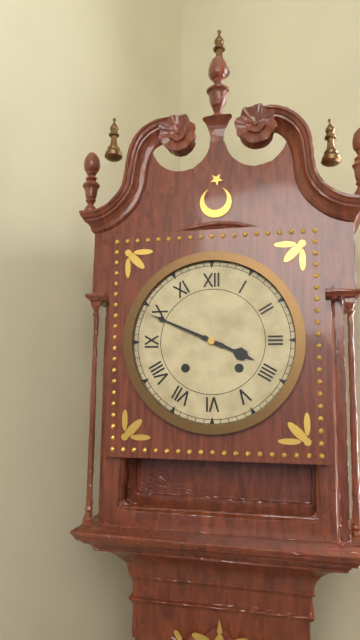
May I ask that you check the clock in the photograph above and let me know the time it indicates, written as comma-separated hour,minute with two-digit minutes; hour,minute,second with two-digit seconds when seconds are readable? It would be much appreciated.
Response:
3,49
